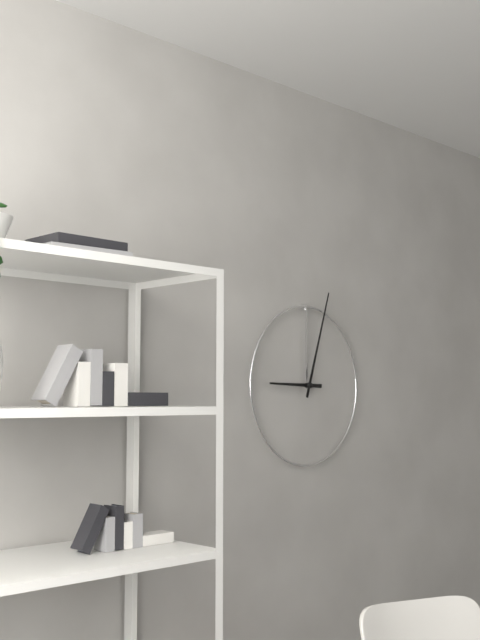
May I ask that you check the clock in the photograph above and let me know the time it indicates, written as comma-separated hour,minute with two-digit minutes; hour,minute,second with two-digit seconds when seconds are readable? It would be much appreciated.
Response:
9,03
